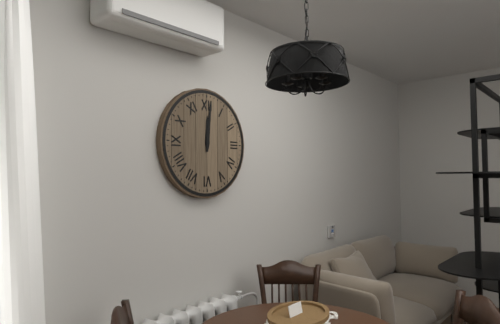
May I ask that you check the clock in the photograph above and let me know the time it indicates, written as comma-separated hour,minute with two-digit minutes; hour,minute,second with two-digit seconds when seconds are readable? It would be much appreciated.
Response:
12,01
